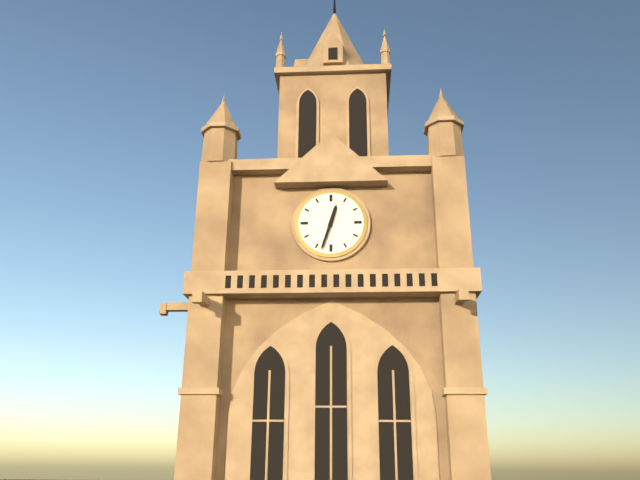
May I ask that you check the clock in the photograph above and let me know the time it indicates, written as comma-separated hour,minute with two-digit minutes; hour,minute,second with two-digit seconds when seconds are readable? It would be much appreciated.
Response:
12,33
